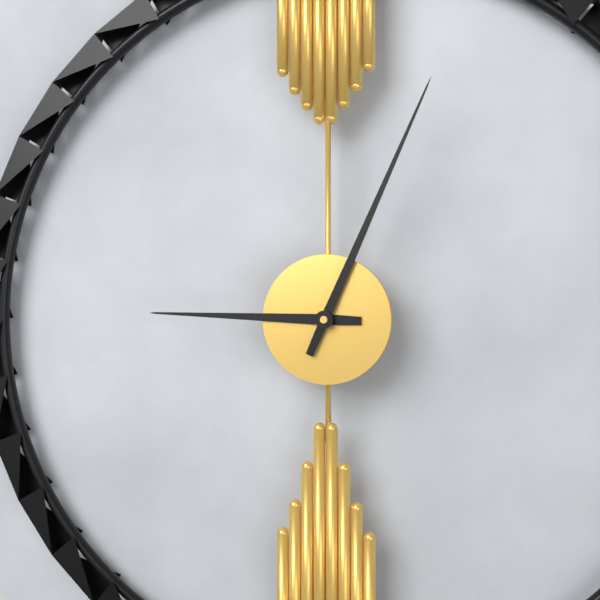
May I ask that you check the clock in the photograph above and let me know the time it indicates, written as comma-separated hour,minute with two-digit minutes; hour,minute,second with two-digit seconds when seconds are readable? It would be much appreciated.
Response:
9,04
